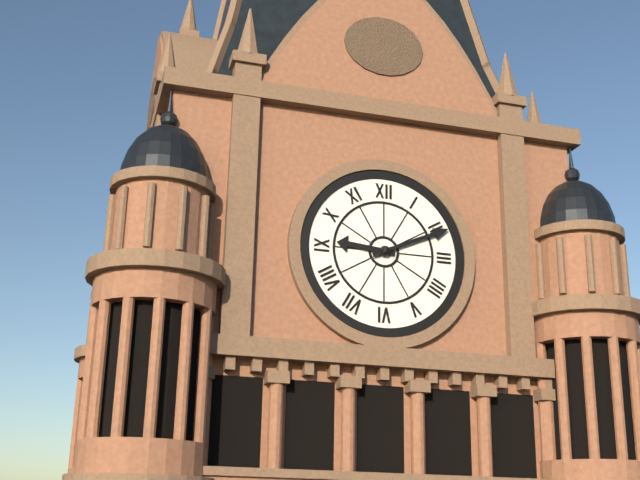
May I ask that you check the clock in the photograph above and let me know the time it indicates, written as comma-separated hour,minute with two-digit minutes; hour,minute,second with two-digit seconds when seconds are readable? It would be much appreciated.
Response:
9,11
